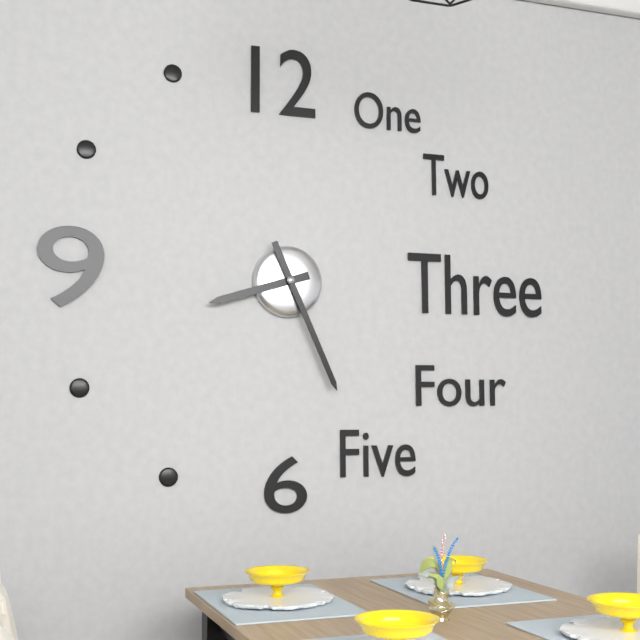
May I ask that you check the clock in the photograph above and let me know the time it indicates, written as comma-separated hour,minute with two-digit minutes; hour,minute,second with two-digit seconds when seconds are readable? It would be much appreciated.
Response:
8,26
